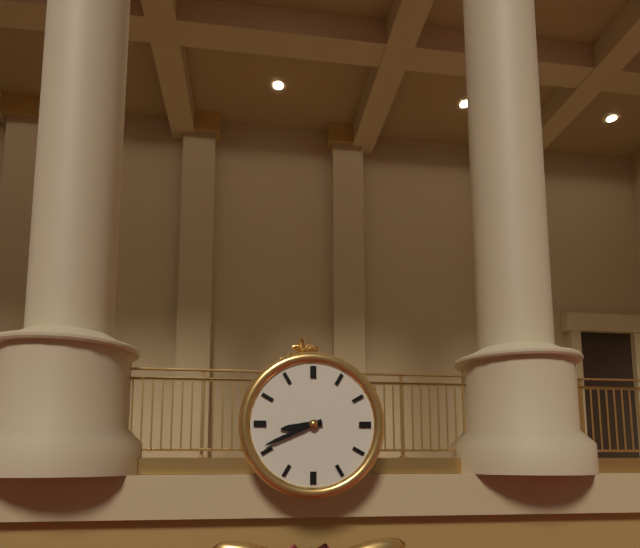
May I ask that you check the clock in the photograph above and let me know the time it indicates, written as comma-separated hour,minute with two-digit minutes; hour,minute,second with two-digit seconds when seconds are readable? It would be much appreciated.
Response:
8,41
